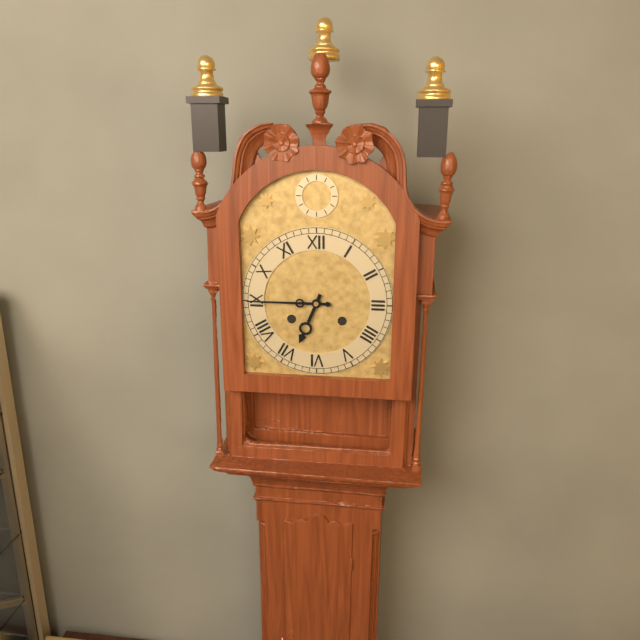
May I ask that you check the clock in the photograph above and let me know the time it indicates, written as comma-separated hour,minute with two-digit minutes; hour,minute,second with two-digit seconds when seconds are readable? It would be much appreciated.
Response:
6,45
